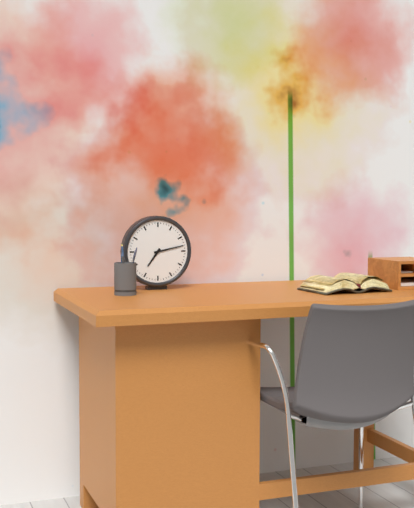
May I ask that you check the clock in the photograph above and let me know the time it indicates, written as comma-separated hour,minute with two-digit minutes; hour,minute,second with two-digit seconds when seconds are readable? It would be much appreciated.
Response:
7,13
